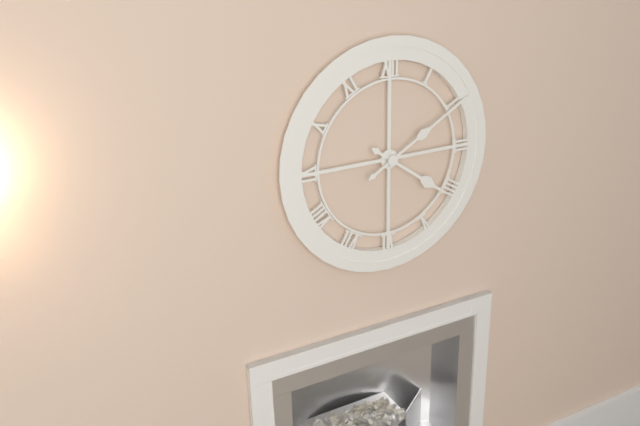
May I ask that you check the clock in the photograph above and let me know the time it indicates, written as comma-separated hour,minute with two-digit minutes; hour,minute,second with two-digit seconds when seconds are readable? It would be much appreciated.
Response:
4,10
